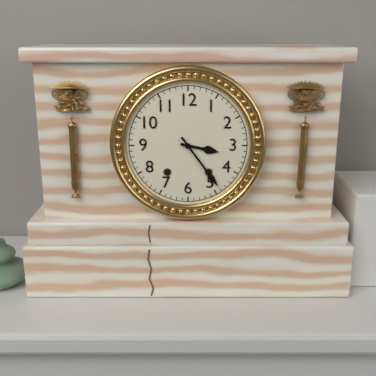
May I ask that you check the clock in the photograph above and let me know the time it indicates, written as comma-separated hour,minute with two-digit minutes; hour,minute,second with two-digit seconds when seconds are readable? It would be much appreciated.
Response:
3,24
